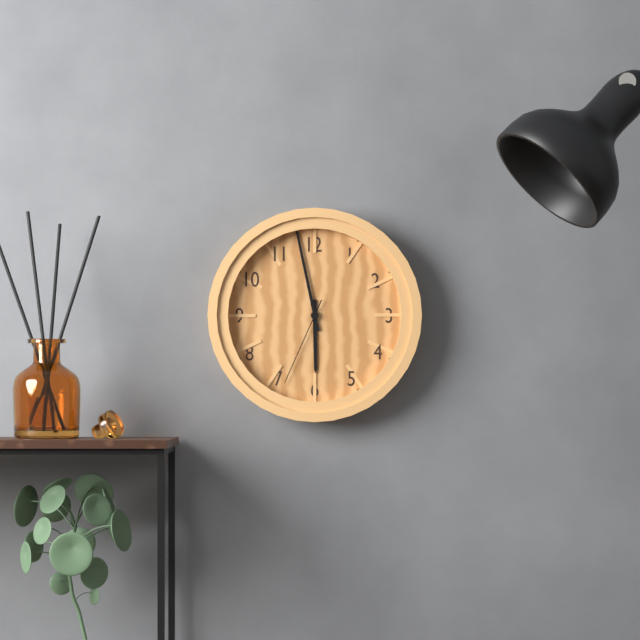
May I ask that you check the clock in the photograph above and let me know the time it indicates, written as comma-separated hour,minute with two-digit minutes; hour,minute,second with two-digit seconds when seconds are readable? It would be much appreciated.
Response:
5,58,34
